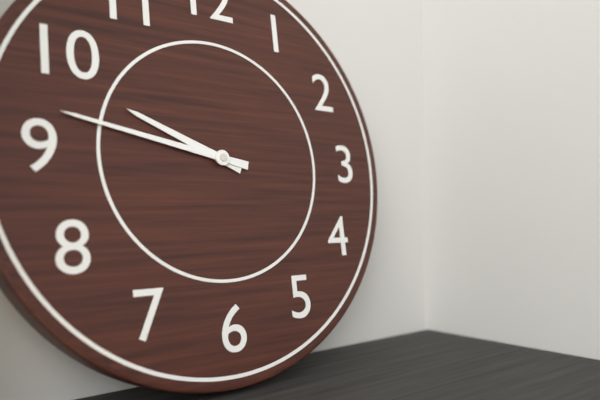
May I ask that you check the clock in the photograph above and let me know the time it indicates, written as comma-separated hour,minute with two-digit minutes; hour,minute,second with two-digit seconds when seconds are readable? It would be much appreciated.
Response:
9,47
